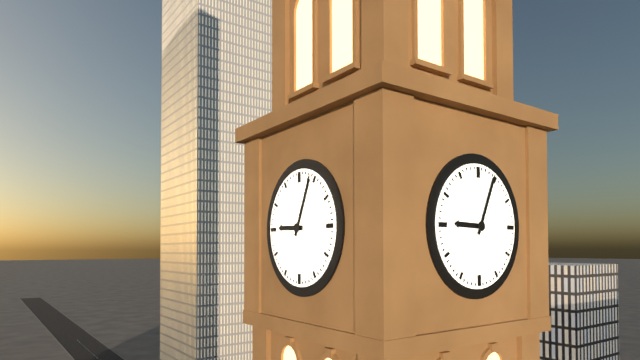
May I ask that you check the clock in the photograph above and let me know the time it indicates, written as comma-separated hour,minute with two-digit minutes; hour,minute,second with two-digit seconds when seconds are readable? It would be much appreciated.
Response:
9,04
